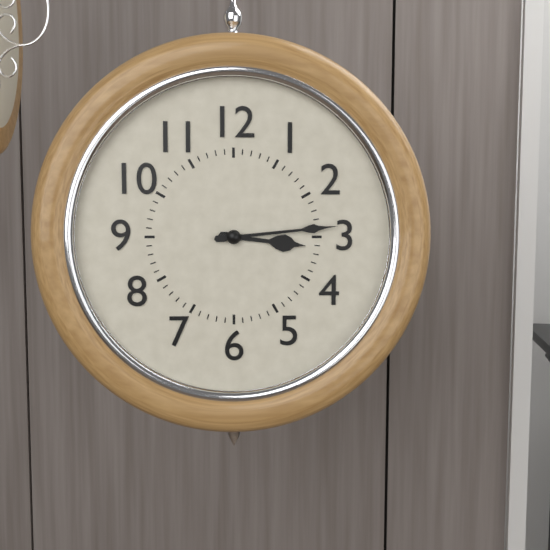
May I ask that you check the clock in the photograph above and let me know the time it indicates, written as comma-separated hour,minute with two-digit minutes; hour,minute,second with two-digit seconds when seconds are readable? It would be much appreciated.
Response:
3,14
